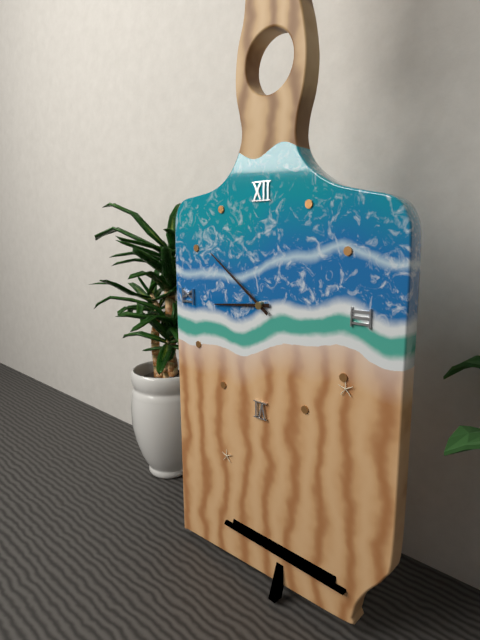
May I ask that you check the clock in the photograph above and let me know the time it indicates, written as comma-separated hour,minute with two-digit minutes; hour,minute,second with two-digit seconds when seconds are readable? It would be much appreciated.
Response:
8,51
